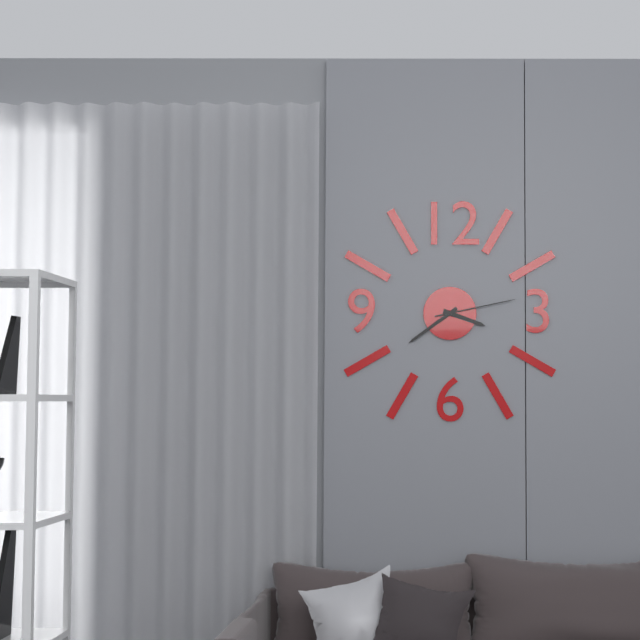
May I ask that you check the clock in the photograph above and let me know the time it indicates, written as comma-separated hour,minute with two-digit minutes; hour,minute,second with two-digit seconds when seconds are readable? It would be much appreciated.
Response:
3,39,13
